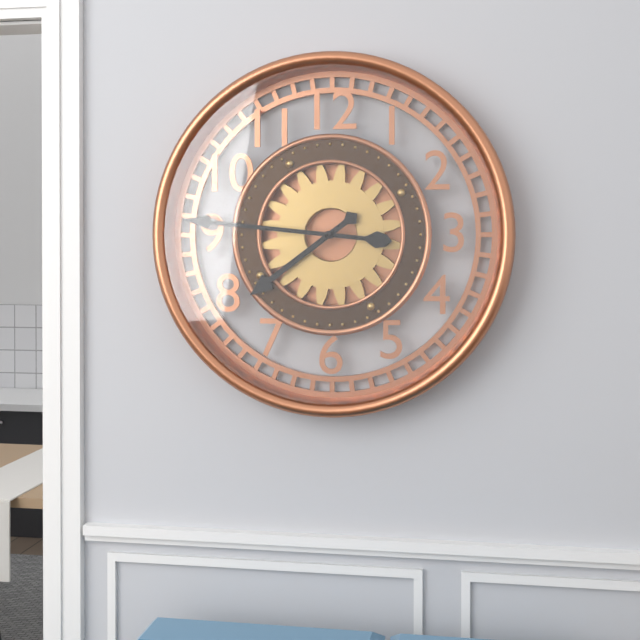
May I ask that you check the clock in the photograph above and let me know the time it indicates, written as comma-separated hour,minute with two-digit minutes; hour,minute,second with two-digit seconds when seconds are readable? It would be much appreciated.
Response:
7,46
